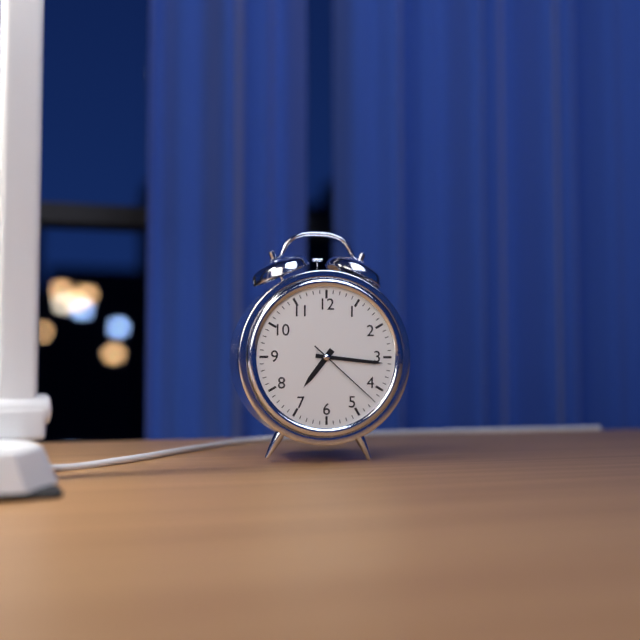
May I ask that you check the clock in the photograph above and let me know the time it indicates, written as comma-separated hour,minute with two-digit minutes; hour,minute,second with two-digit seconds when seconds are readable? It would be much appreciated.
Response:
7,16,22
